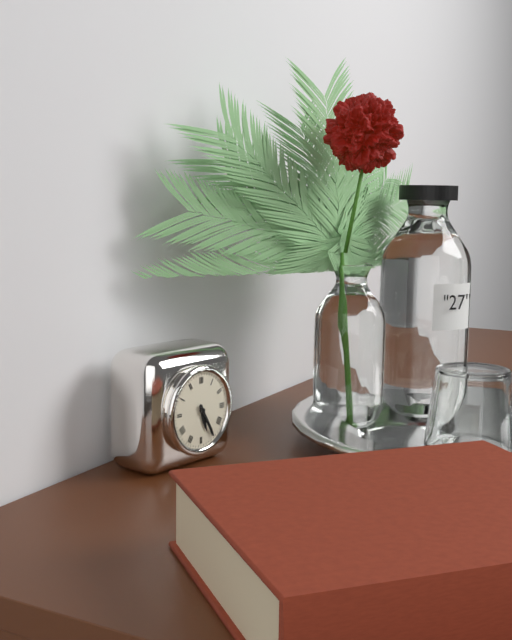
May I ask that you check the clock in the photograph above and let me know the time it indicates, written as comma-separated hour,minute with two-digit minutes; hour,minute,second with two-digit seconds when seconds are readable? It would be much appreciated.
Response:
5,25
